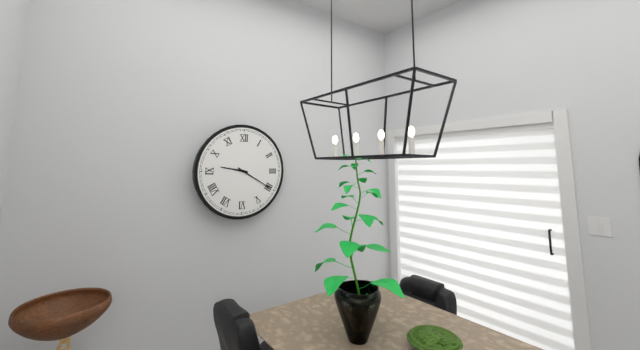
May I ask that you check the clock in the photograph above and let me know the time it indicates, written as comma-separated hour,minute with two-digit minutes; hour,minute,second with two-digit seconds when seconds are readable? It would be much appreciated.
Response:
9,20
